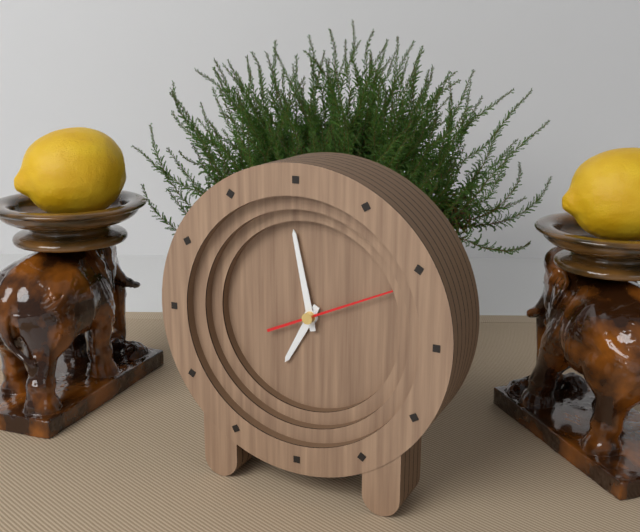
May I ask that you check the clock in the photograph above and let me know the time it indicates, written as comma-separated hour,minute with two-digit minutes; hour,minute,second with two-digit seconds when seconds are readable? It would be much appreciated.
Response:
6,58,11
